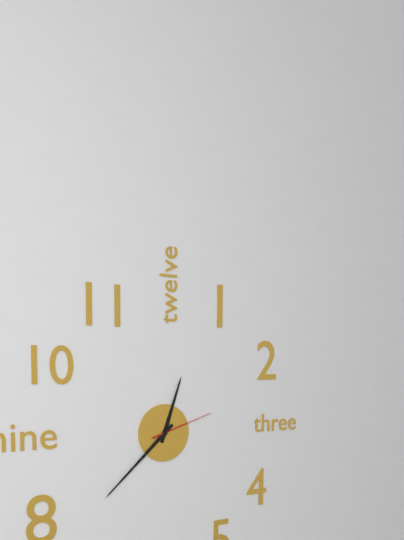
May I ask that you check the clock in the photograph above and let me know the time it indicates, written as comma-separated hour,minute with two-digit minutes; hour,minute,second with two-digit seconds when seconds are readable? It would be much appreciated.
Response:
12,38,12
